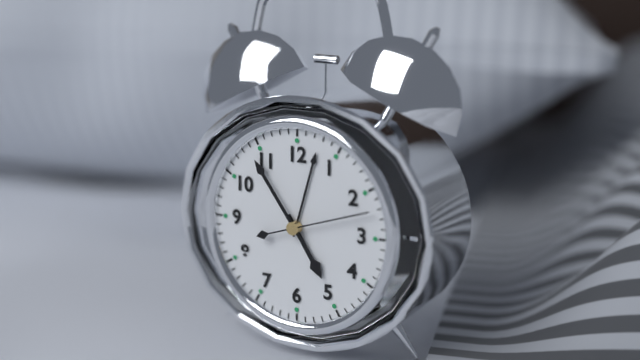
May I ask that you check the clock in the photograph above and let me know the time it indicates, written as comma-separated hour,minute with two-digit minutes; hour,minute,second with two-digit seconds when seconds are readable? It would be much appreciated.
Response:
4,54,12
